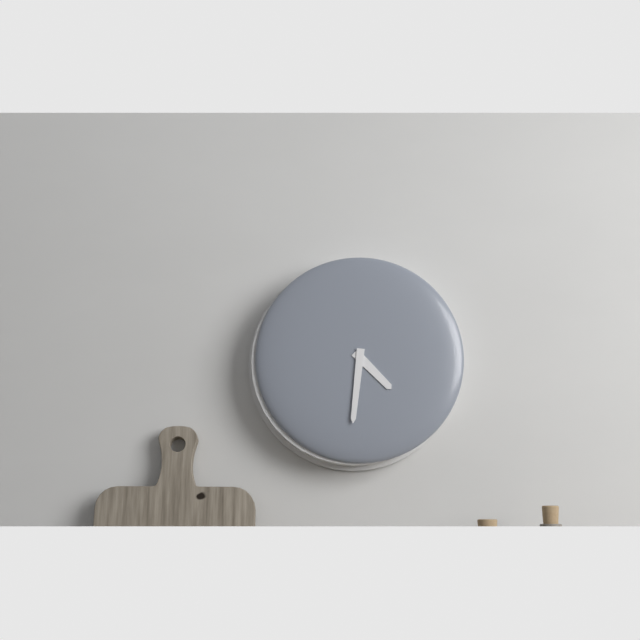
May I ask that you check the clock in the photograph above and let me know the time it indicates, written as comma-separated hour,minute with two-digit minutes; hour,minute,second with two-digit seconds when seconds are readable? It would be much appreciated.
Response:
4,31
